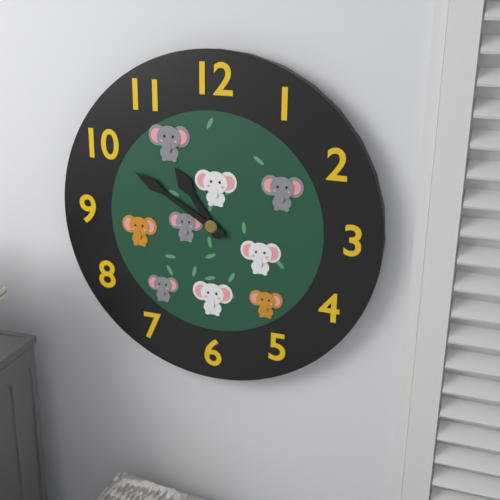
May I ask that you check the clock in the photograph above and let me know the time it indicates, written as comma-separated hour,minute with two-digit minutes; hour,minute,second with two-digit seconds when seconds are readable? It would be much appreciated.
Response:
10,50
